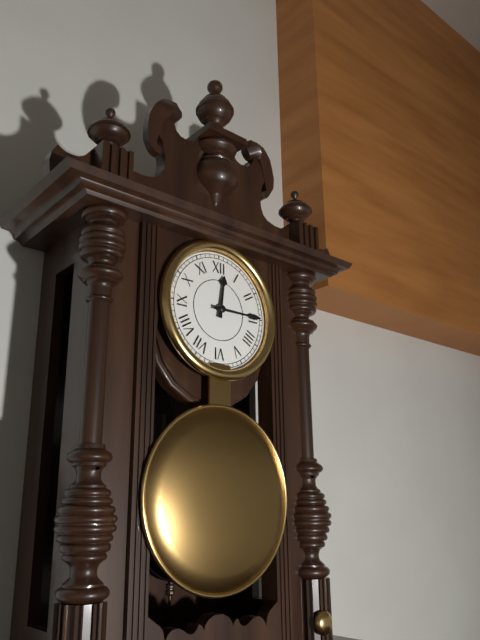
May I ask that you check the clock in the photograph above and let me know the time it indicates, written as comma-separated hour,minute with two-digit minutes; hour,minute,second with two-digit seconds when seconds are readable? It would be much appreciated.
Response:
12,15
